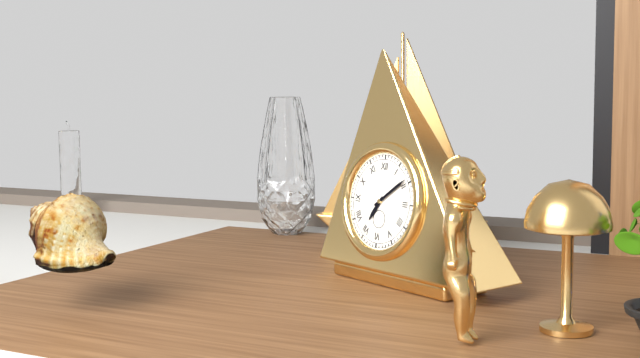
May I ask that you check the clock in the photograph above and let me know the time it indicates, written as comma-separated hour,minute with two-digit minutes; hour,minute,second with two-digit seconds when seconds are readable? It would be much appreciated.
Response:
7,09
